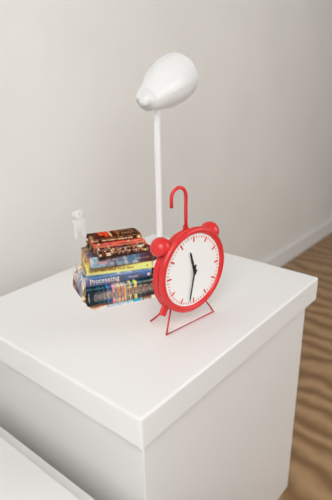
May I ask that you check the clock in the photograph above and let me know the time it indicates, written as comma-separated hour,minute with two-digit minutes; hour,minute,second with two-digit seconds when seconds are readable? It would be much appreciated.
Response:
11,32
